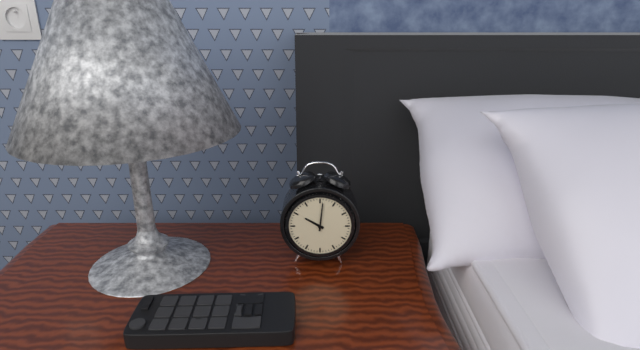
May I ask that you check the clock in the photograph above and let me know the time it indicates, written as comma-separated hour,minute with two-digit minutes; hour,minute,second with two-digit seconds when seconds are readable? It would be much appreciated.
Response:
10,01
